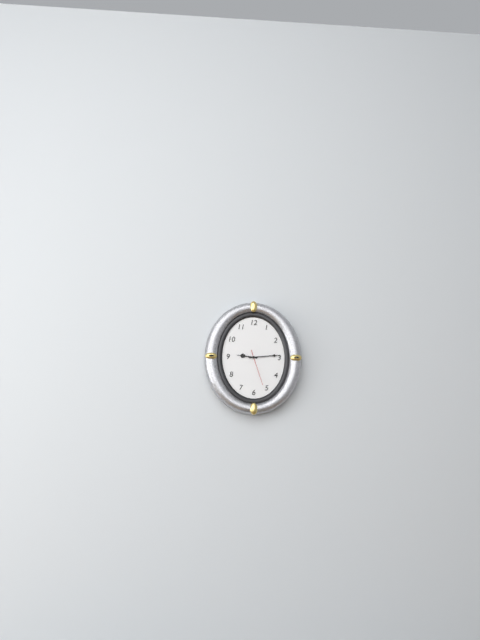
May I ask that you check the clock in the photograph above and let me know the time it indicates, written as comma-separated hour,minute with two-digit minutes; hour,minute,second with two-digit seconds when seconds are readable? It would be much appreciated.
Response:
9,14
